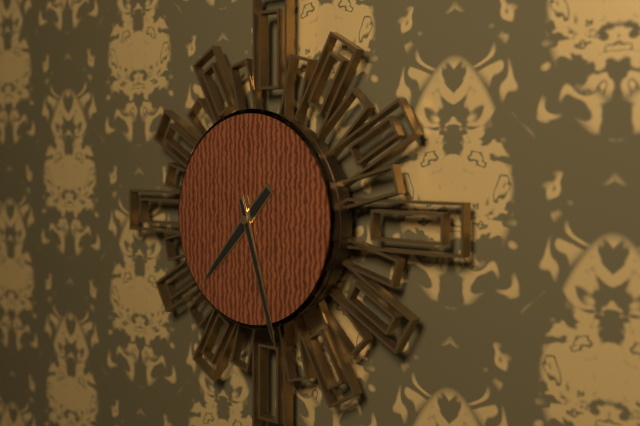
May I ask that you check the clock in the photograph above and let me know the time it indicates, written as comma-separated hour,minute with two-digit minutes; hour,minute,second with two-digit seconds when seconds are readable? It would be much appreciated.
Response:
7,27
